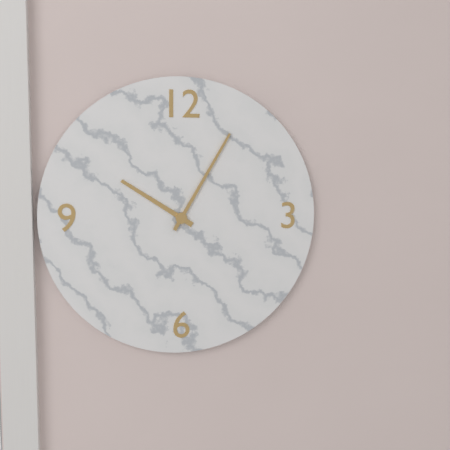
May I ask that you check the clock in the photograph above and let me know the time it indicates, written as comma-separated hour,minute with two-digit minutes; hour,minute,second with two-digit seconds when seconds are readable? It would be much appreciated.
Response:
10,05
